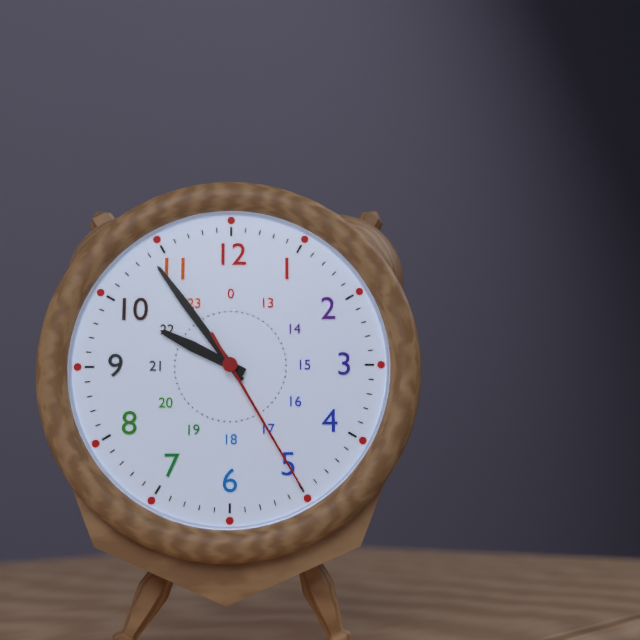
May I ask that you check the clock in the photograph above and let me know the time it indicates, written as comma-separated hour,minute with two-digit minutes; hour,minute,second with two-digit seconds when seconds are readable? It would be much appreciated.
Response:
9,54,25
